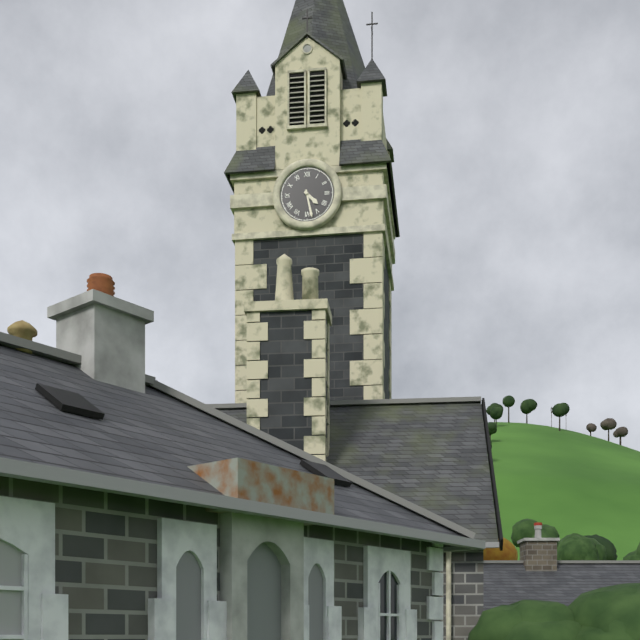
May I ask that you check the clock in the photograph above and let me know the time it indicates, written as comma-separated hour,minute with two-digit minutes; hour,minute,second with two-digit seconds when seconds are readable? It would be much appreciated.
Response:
4,28
